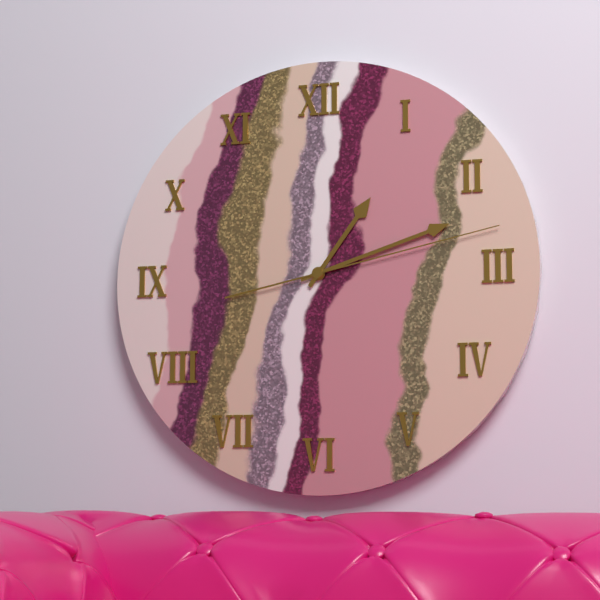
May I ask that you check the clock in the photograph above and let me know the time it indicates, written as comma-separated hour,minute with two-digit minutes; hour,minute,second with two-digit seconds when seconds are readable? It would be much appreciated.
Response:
1,12,13
